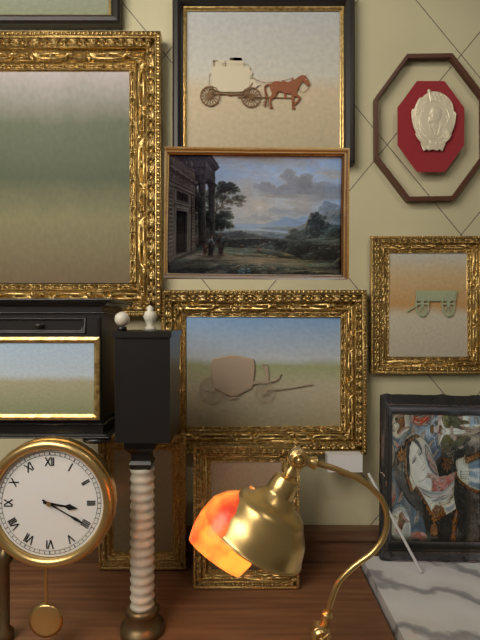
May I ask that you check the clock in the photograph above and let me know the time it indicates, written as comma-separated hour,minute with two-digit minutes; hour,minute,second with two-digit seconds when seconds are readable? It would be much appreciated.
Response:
3,20
